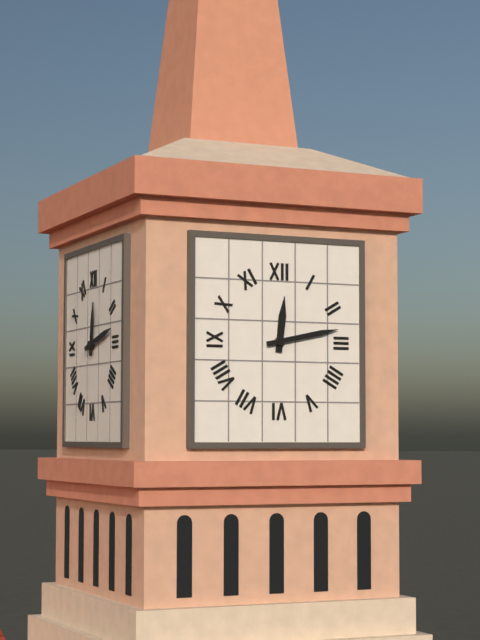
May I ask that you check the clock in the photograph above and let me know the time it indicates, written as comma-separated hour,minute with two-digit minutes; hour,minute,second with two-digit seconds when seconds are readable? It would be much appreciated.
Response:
12,13
